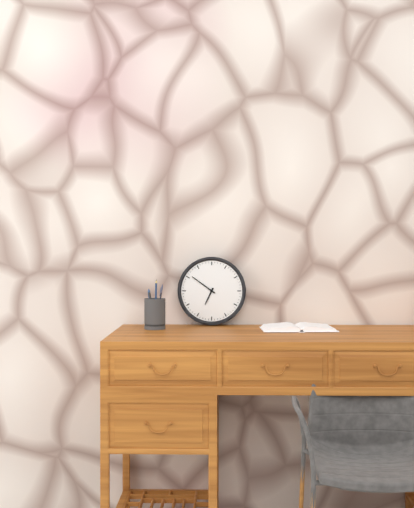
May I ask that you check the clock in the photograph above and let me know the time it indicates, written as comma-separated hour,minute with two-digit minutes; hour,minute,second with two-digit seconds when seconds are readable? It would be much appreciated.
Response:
6,51
